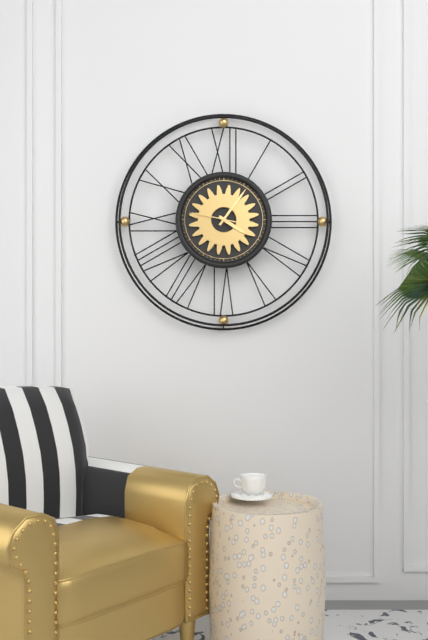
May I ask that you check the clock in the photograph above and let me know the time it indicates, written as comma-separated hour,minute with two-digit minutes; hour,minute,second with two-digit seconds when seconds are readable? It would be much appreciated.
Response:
4,06
